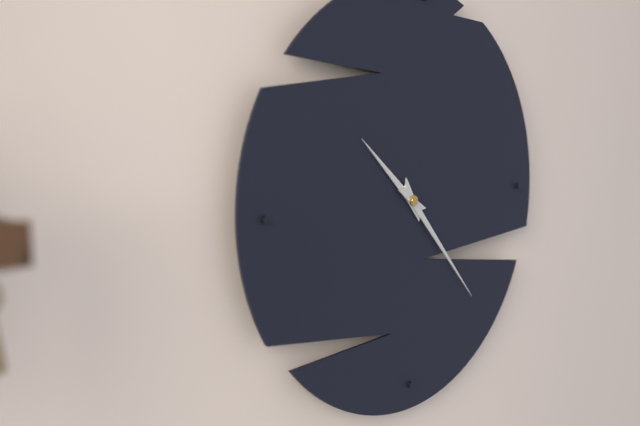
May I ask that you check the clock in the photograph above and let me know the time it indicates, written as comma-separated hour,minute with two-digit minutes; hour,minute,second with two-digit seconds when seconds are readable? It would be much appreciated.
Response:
10,23
